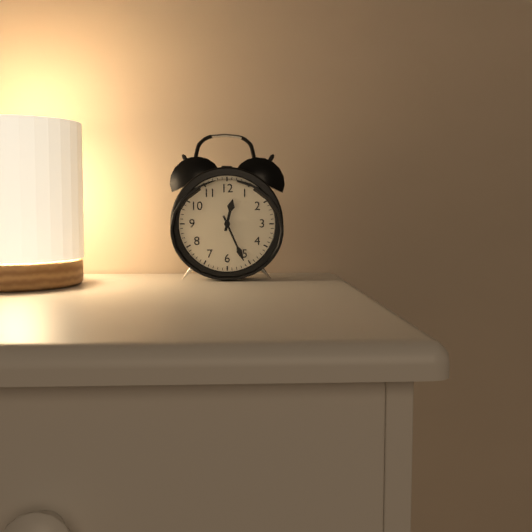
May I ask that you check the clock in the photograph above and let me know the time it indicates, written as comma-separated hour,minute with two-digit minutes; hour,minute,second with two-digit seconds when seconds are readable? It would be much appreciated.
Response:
12,26
